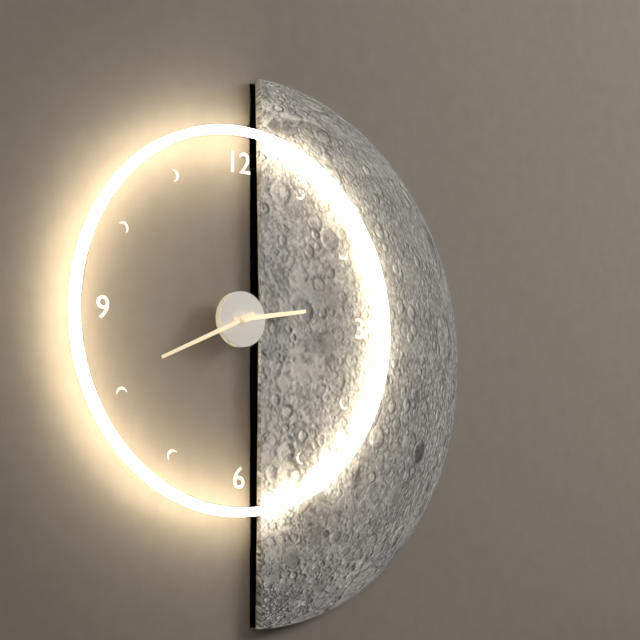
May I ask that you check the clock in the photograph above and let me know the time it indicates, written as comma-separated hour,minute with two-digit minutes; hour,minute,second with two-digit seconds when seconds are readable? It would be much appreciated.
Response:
2,41
